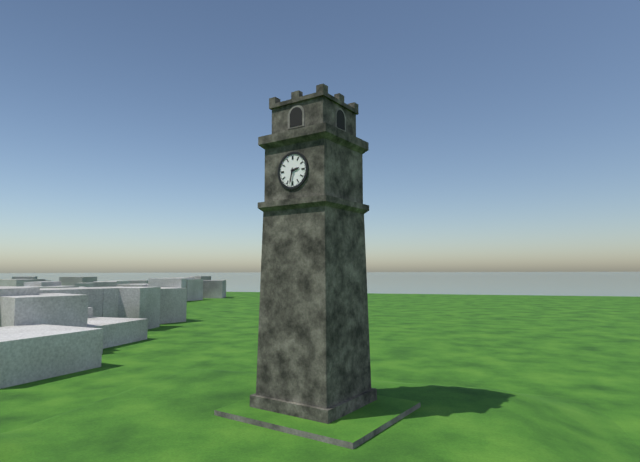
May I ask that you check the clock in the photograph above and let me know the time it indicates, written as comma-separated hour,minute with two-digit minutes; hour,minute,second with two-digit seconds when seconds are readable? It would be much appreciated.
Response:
2,32
